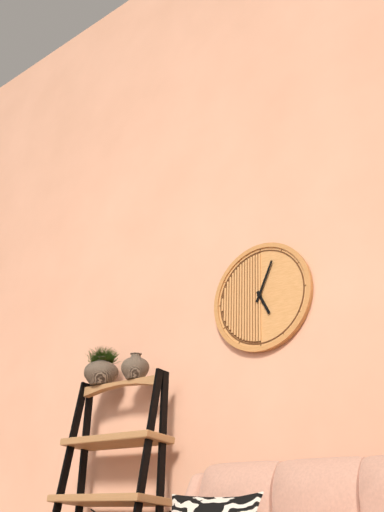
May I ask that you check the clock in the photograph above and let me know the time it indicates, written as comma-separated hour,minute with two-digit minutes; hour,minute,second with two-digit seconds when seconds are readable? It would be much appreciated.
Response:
5,04
